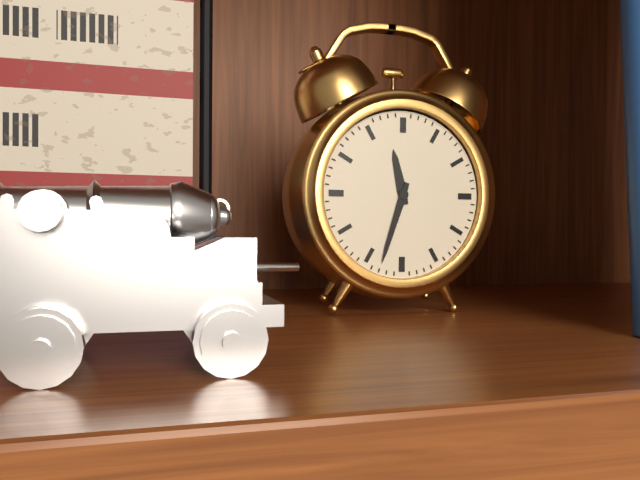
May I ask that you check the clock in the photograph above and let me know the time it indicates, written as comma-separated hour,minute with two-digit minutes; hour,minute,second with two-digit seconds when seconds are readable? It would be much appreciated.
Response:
11,33
